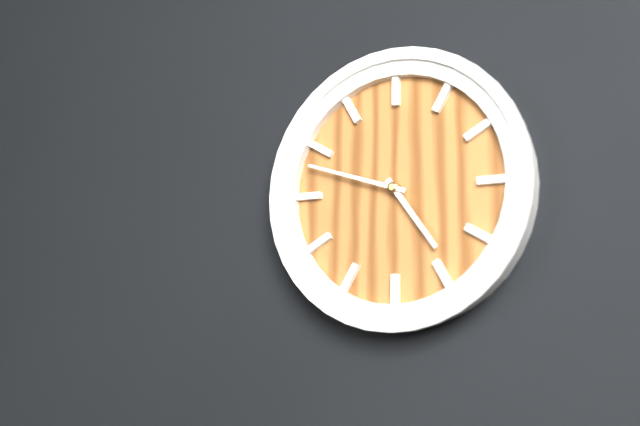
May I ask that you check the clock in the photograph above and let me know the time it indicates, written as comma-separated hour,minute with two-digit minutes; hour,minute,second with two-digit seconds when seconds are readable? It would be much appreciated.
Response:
4,48
